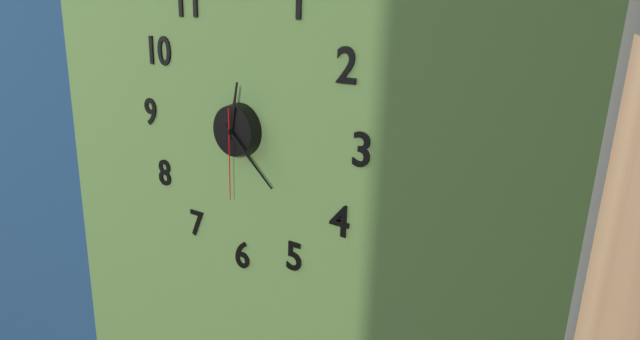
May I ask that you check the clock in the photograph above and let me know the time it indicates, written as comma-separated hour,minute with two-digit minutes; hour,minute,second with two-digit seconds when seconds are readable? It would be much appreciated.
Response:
12,22,30
